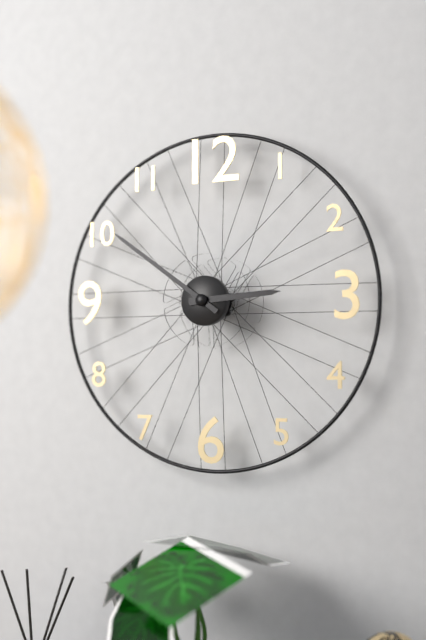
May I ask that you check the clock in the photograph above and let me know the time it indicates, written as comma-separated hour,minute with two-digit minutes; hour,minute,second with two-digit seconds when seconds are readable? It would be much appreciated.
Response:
2,51
